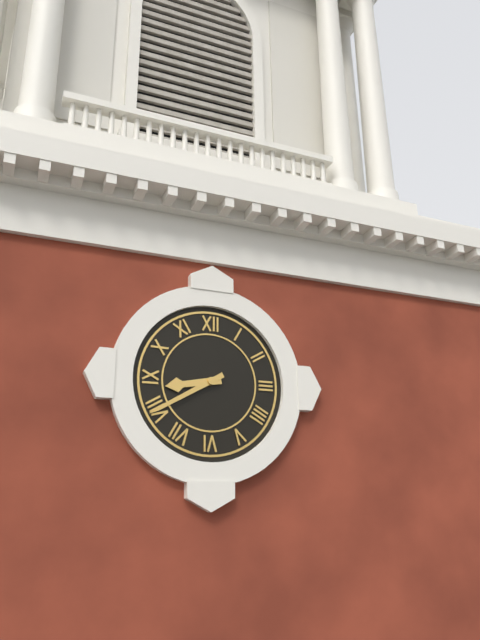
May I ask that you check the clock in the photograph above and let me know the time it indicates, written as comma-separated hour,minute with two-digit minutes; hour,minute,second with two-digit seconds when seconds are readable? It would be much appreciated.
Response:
8,40
